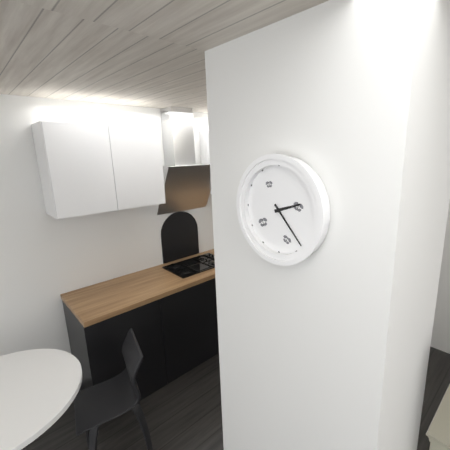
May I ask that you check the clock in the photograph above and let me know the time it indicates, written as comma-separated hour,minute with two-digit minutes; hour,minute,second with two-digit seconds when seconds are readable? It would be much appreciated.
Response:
2,23
